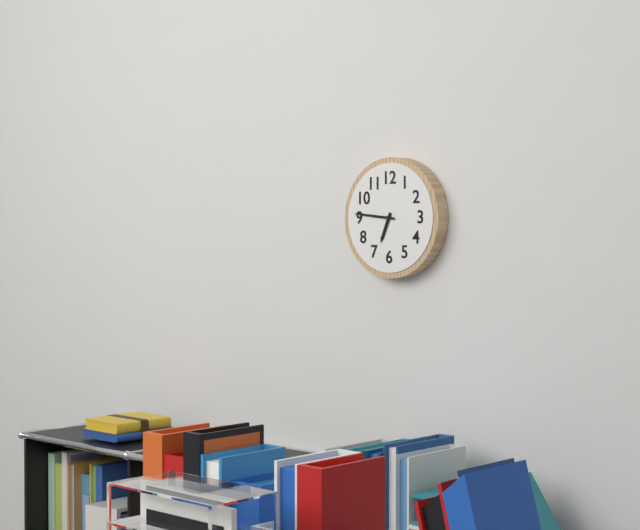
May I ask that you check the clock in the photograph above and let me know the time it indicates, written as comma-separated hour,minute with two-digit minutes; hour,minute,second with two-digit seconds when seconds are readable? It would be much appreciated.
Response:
6,46
